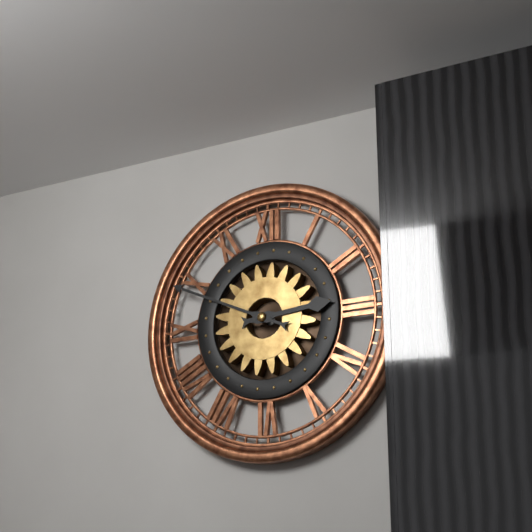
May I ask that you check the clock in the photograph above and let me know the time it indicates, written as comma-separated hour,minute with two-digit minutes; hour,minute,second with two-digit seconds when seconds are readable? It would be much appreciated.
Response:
2,49
